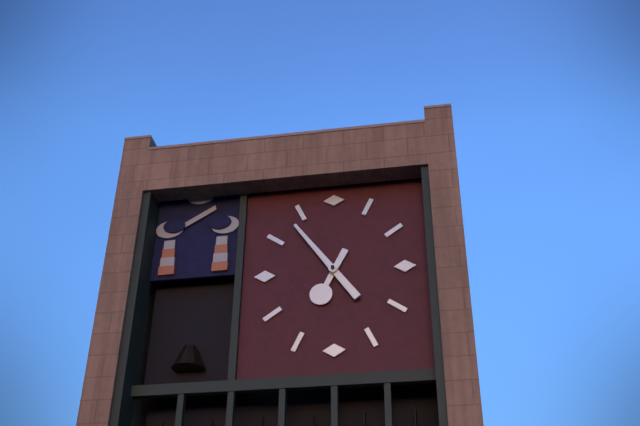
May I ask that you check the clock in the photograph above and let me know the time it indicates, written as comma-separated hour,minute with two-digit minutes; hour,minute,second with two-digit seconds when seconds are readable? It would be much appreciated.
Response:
6,54
